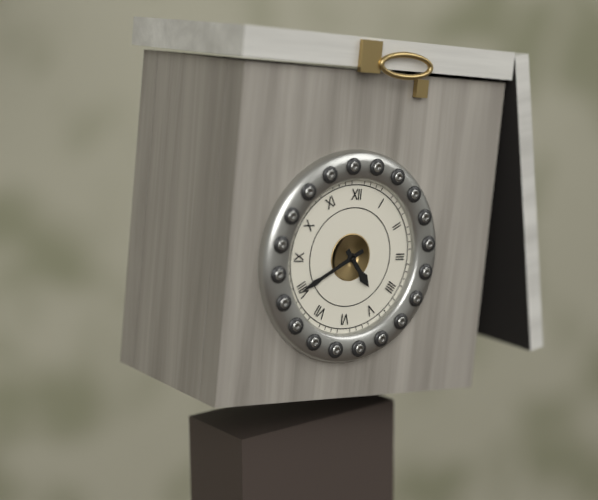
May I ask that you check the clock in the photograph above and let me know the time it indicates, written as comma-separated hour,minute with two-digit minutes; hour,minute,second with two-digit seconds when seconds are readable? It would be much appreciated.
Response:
4,40
